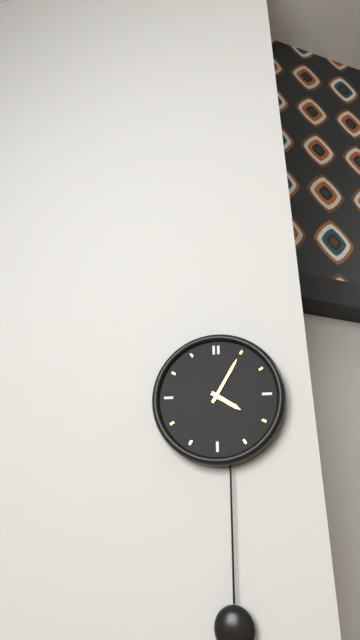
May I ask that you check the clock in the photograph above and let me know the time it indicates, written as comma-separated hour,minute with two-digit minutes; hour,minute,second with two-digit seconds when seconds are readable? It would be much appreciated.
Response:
4,05
